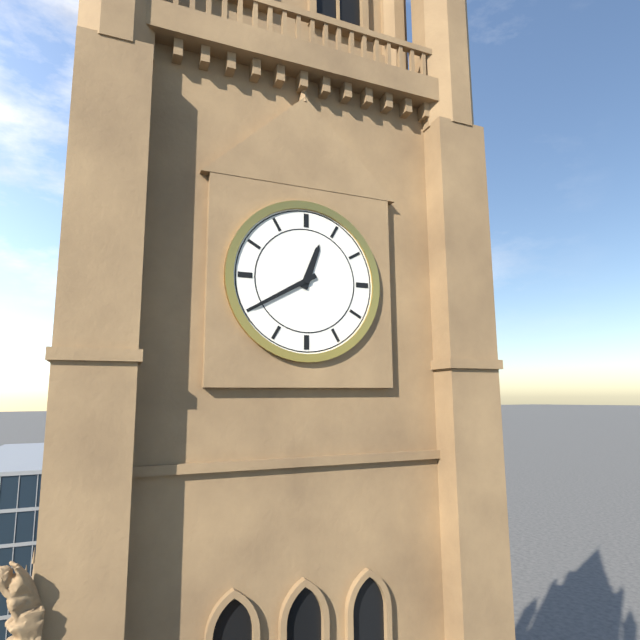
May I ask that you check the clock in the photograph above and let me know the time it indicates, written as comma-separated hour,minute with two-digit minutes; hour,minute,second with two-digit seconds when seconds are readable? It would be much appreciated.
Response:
12,40
